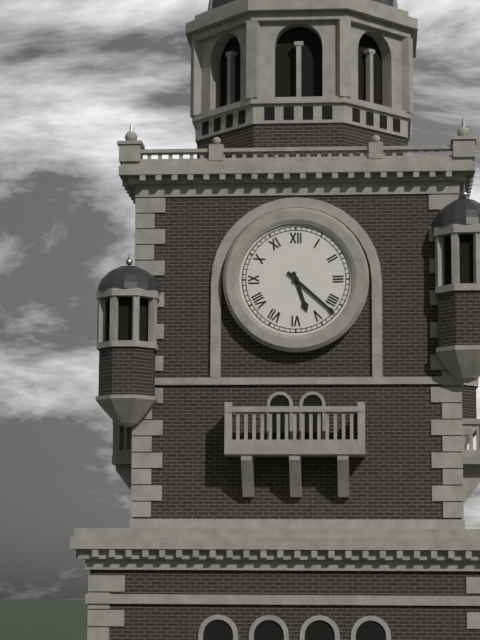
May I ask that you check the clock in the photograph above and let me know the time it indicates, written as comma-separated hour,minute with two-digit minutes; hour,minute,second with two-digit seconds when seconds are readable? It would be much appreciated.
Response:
5,22
